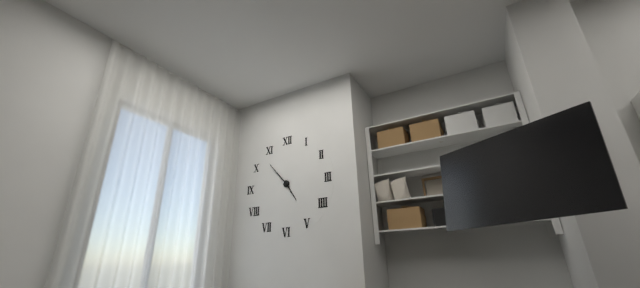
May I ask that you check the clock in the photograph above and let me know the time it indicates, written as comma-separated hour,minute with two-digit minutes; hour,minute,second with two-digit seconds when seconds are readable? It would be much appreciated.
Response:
4,53
